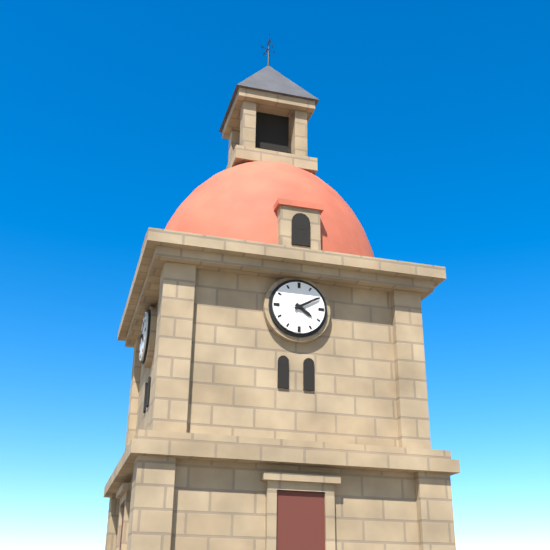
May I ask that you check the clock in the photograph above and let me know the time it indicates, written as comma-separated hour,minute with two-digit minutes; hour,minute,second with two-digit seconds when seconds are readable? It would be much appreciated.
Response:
4,10
